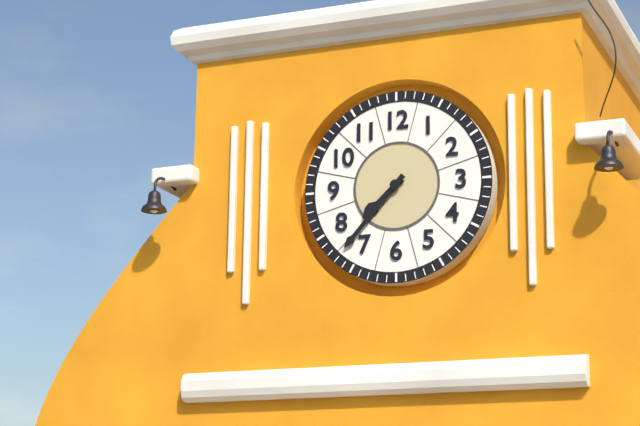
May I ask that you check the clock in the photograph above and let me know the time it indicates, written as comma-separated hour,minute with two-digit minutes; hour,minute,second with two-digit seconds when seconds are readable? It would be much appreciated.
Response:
7,37
